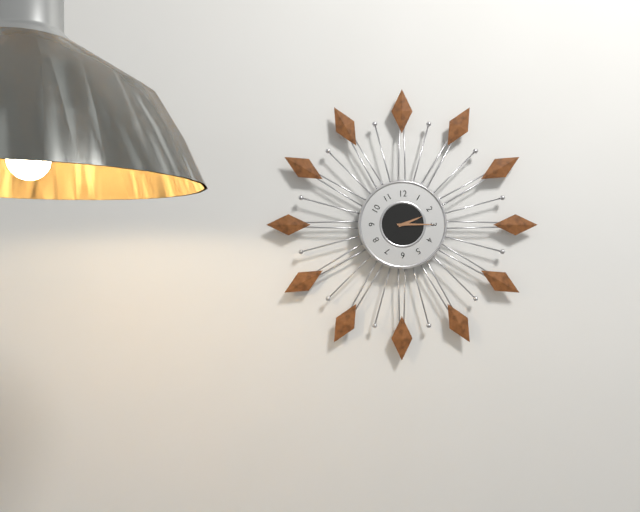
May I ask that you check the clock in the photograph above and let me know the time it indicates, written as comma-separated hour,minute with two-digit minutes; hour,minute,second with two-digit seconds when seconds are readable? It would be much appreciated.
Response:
2,15
